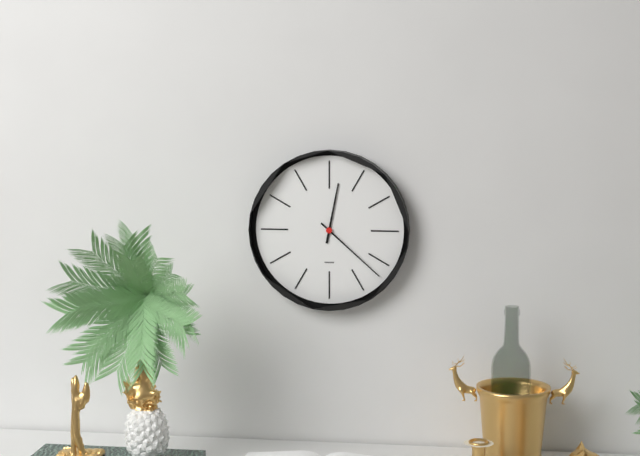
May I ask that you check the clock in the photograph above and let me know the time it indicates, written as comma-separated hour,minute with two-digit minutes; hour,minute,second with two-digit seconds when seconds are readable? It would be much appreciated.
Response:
12,22
